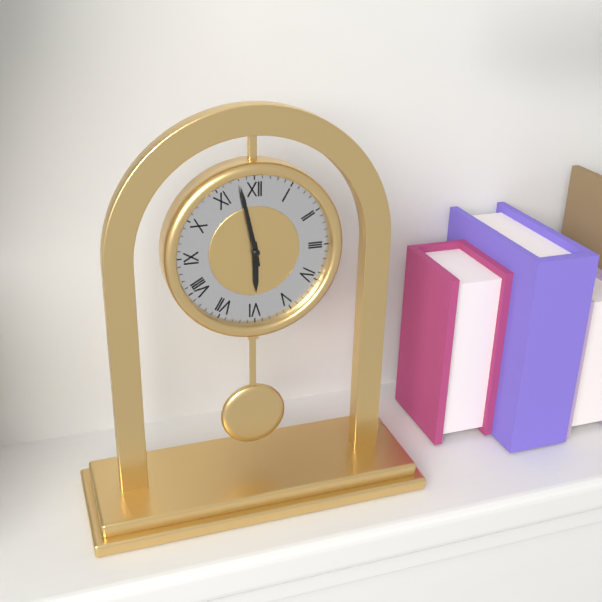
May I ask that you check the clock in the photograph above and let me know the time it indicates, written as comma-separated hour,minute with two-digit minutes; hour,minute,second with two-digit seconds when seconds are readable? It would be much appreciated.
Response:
5,58
